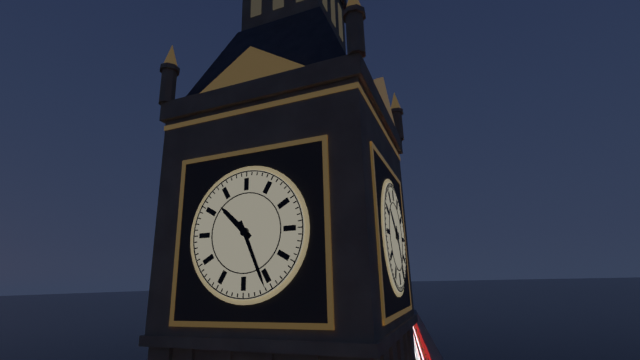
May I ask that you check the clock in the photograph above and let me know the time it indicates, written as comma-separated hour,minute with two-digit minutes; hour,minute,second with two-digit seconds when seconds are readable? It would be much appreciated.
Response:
10,26
